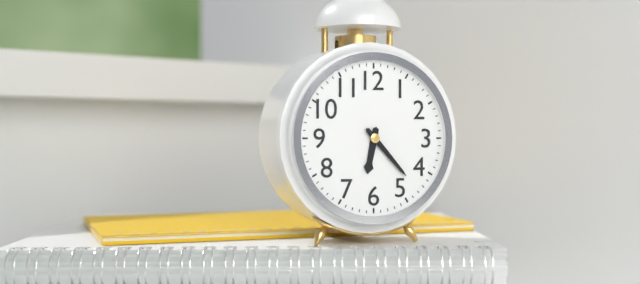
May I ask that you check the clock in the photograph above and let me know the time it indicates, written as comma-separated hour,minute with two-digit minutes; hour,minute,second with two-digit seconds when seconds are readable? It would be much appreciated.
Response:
6,23
